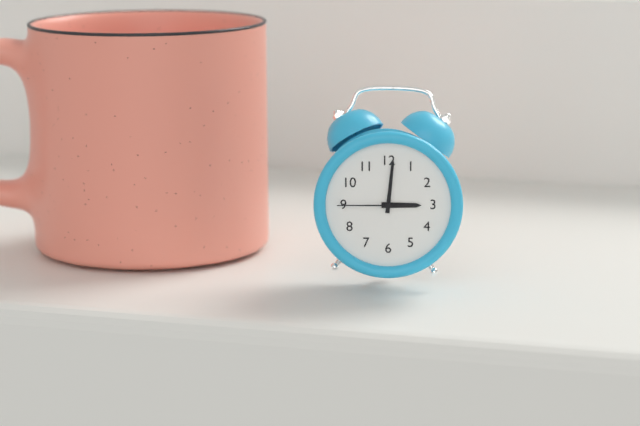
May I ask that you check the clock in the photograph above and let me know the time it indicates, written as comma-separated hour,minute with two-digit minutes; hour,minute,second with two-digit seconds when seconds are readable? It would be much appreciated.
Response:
3,01,45
